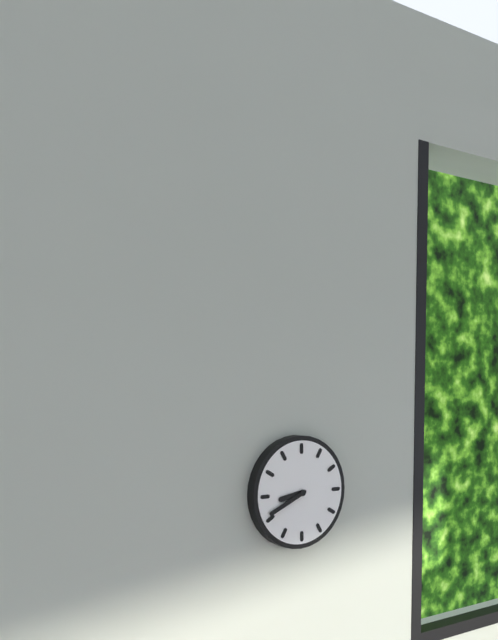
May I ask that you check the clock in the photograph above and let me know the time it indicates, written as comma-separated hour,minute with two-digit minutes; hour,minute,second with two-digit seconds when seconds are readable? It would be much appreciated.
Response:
8,41
